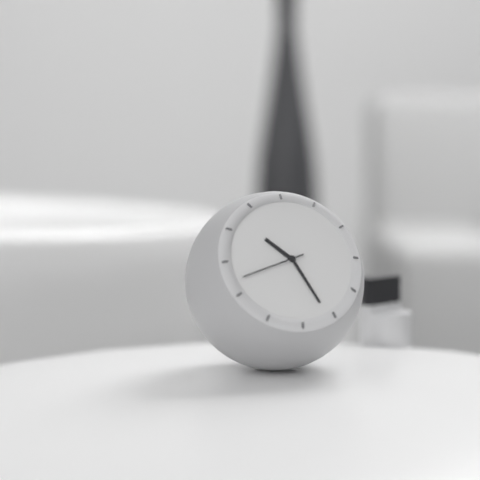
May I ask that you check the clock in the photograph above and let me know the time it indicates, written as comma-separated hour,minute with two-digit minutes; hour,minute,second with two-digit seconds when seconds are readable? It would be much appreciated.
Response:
10,26,42
